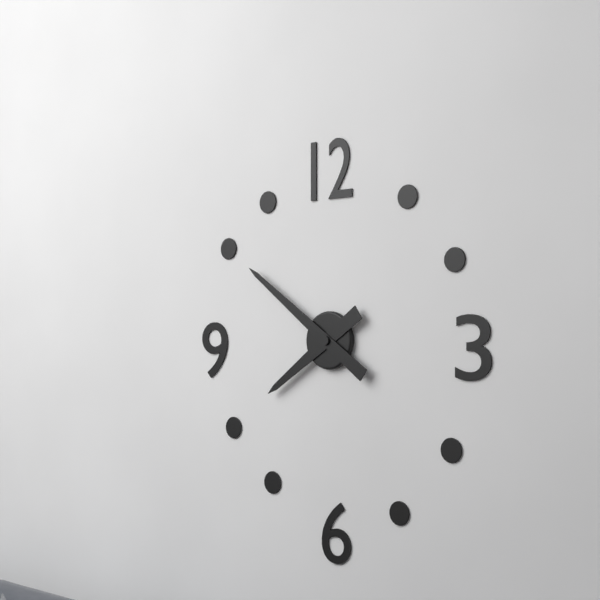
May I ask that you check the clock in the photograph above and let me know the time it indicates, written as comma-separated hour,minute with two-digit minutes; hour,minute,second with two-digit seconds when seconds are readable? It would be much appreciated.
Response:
7,51
